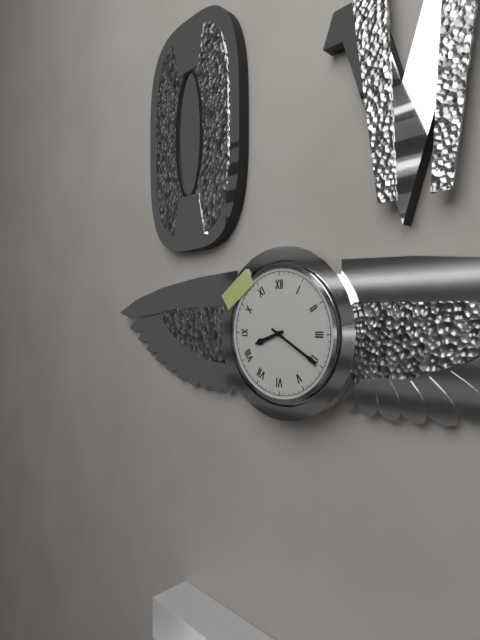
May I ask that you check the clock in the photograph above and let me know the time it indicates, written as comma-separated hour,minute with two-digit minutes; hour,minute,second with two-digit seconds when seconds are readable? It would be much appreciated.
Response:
8,20
